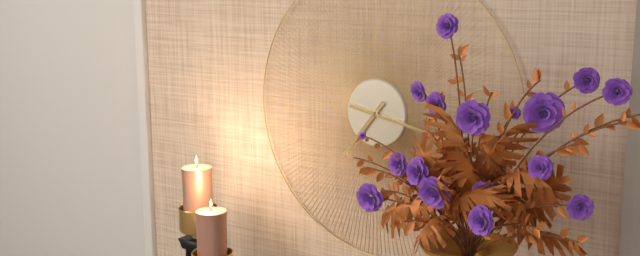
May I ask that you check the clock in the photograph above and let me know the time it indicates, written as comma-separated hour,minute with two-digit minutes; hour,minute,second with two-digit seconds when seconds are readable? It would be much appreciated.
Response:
7,17
